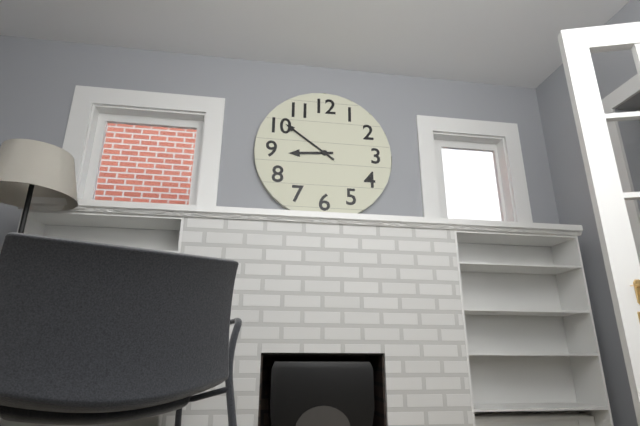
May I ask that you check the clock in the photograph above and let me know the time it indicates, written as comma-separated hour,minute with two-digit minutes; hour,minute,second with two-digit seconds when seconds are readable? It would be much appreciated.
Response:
8,51
